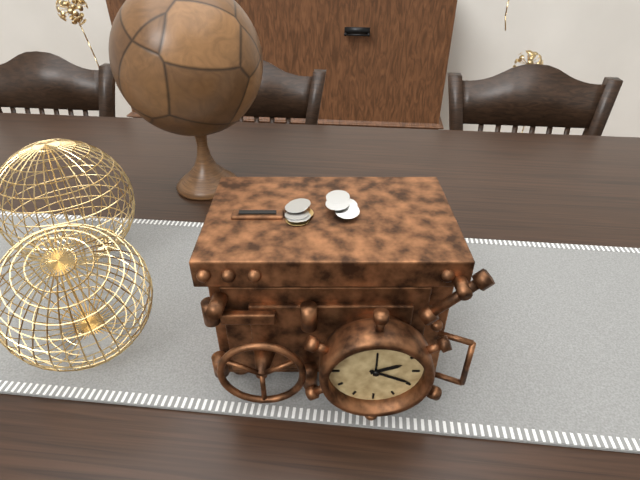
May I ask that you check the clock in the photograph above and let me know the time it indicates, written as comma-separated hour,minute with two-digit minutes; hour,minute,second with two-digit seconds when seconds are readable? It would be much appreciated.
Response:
2,19
